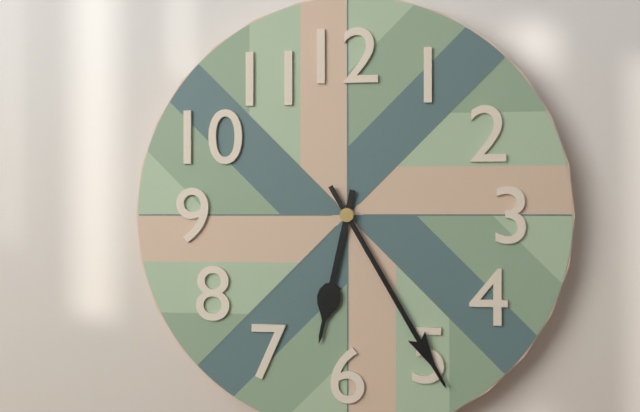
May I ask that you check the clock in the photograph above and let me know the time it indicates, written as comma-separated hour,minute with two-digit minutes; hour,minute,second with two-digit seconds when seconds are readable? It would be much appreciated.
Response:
6,25
